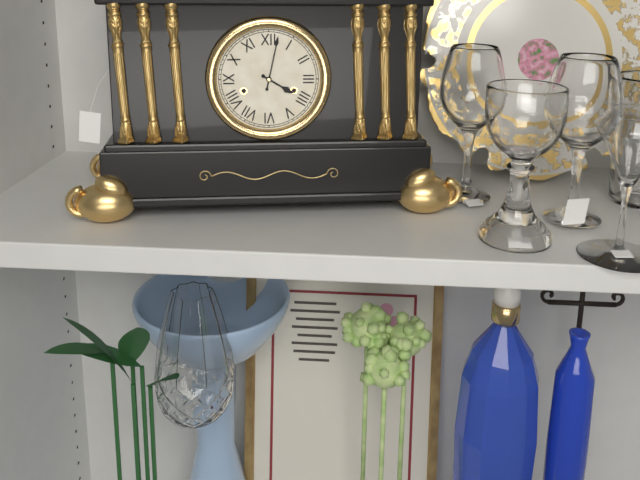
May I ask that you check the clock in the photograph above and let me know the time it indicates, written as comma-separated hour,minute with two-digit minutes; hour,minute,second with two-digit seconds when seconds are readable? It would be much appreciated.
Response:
4,02
